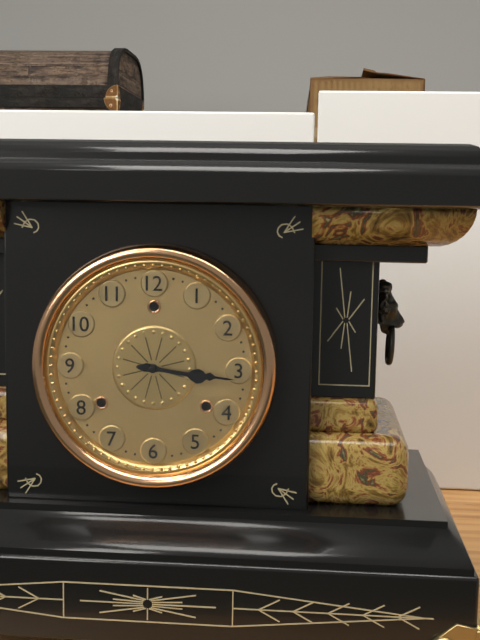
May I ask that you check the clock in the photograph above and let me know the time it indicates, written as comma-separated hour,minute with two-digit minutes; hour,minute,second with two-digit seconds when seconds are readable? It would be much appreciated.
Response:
3,16
